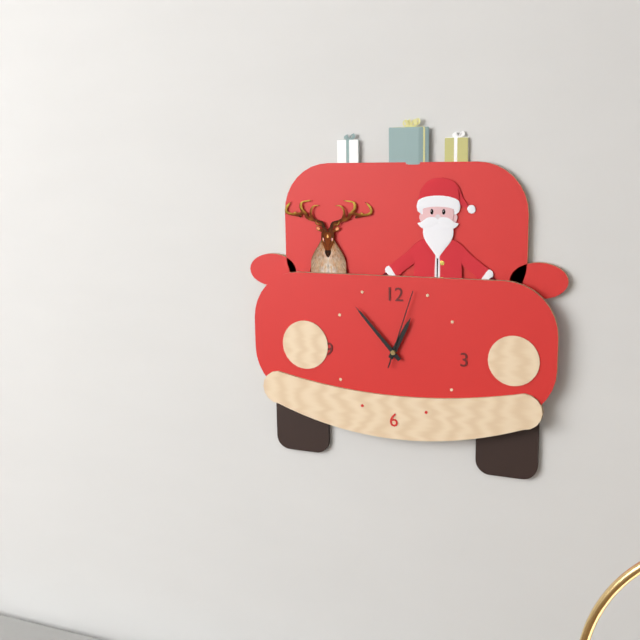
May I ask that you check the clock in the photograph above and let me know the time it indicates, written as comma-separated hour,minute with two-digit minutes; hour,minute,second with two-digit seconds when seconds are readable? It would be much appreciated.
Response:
12,53,03
